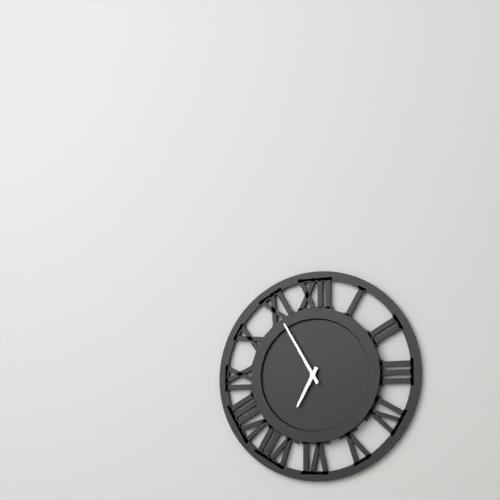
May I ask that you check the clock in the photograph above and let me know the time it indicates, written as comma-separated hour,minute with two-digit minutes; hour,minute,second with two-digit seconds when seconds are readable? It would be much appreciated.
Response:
6,55
